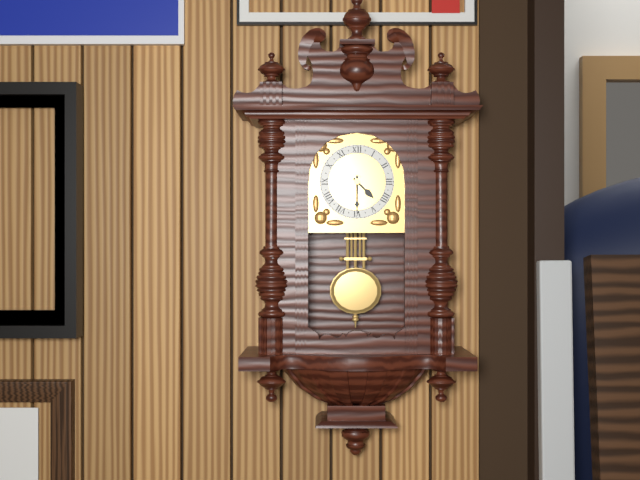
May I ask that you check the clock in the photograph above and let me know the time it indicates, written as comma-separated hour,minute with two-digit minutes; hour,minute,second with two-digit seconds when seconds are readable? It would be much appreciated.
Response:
4,30
